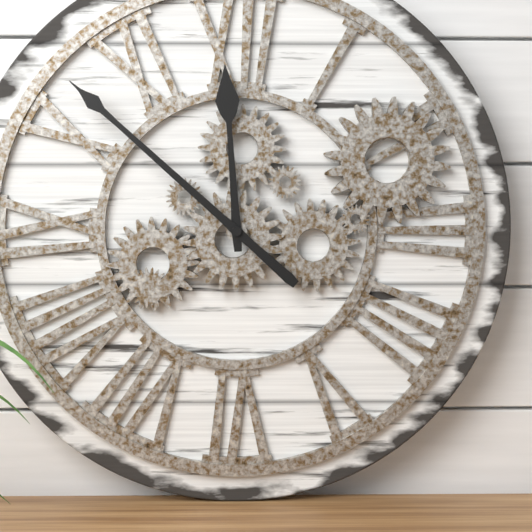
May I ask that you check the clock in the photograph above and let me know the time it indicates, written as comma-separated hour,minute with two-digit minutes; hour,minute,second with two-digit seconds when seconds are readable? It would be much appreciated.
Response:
11,52
